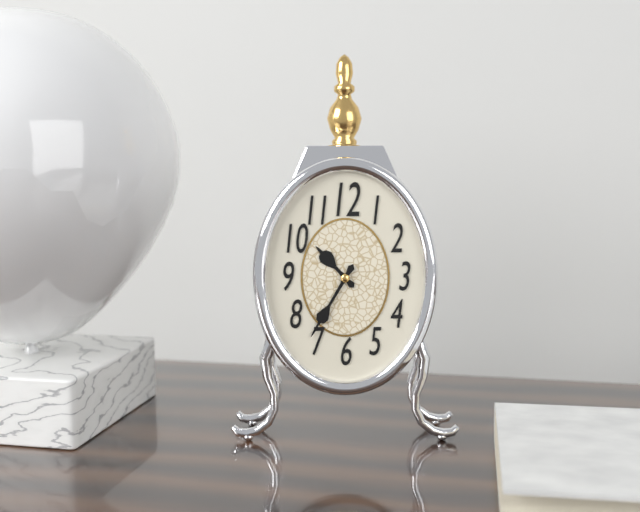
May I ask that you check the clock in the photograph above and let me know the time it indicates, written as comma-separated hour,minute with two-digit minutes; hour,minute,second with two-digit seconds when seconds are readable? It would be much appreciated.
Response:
10,35
